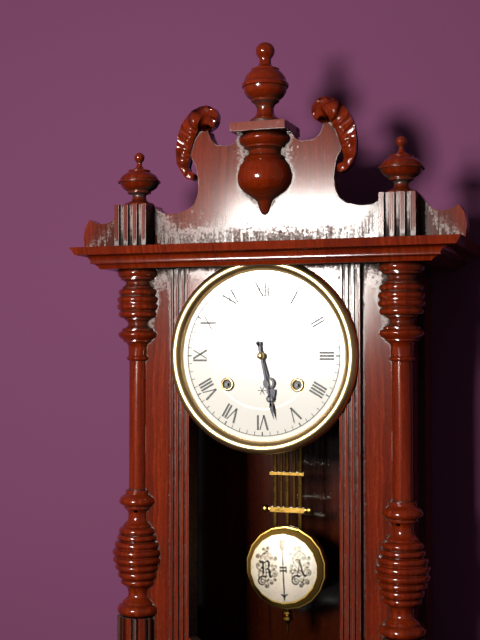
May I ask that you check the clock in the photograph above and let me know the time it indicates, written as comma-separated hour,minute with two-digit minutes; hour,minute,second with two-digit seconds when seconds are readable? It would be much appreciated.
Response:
5,28
